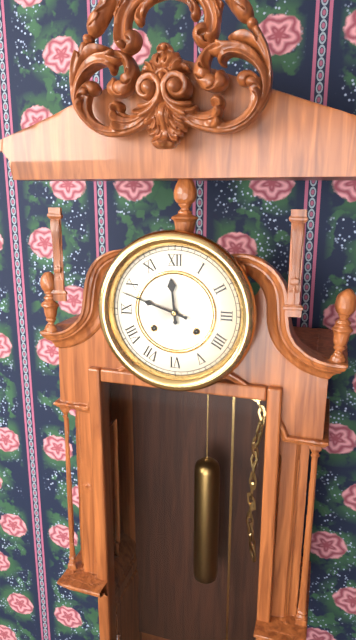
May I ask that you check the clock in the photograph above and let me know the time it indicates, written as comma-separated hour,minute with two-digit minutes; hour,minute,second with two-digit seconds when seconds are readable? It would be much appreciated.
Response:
11,48
